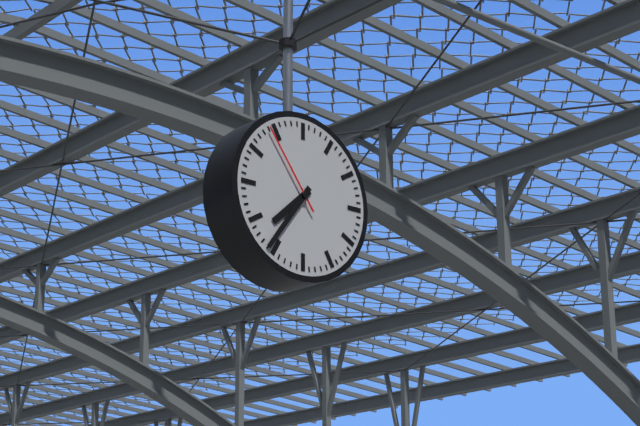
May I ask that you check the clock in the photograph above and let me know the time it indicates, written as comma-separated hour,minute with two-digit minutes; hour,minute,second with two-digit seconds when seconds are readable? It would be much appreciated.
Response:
7,36,54
